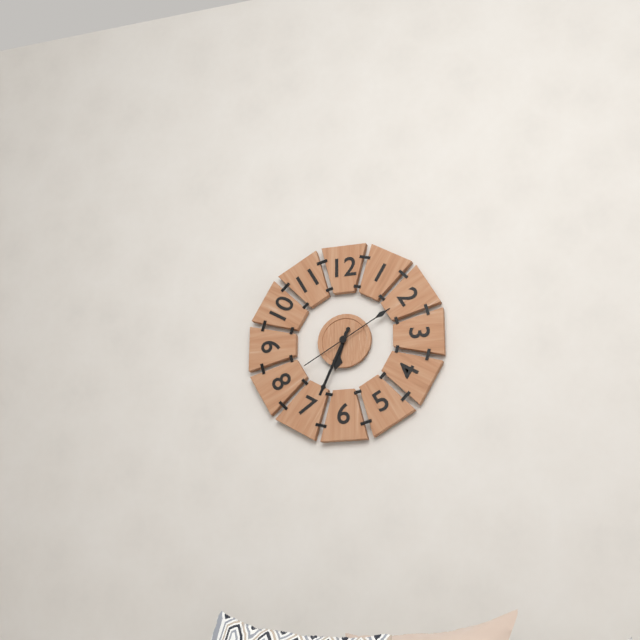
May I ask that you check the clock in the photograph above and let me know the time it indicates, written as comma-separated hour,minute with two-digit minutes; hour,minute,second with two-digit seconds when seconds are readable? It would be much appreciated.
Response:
6,34,10
